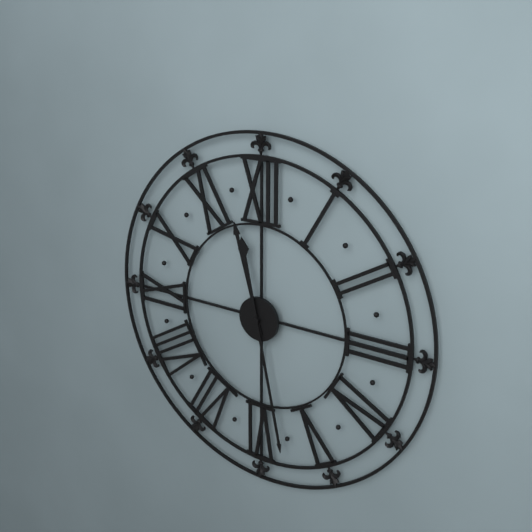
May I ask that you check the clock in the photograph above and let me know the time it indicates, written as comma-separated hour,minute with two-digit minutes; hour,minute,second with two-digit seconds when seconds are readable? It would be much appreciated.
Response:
11,28
